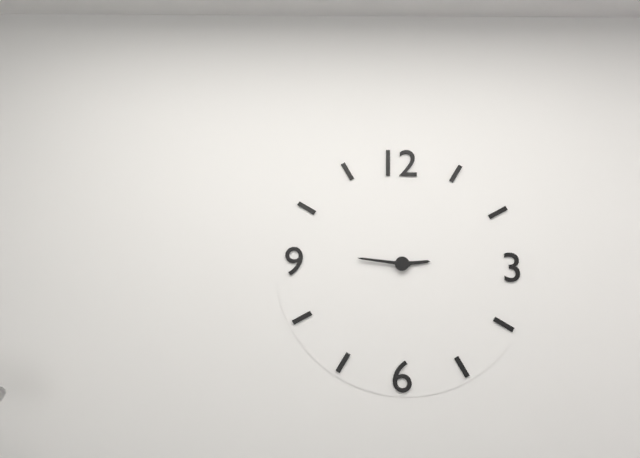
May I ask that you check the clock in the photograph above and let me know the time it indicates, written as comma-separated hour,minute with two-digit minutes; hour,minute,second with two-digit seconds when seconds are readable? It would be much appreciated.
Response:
2,46
